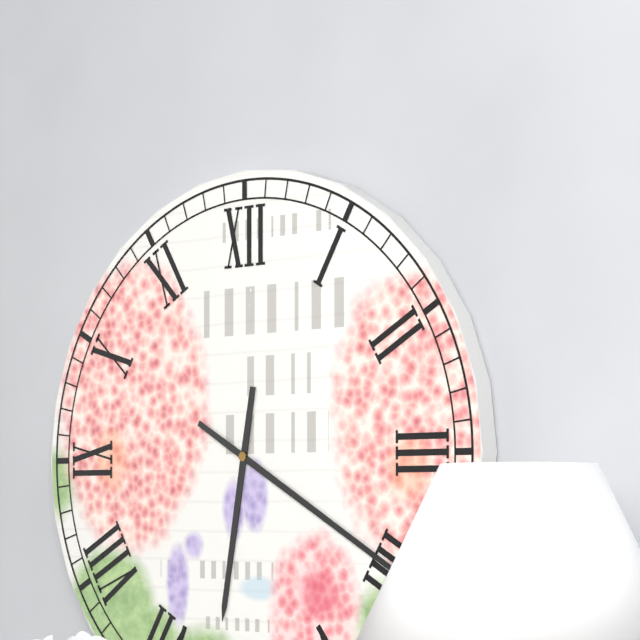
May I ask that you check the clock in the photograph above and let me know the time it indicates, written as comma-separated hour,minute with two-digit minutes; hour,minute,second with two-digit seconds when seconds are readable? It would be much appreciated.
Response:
6,20
